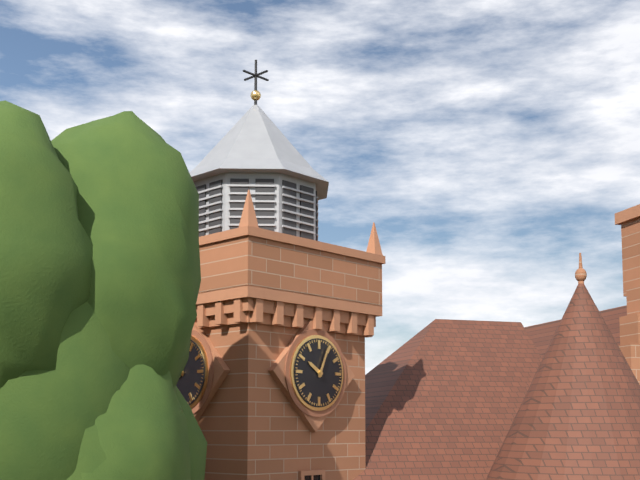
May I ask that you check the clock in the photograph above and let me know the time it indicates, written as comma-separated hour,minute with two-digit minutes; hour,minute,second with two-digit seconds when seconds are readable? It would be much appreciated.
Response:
10,04
